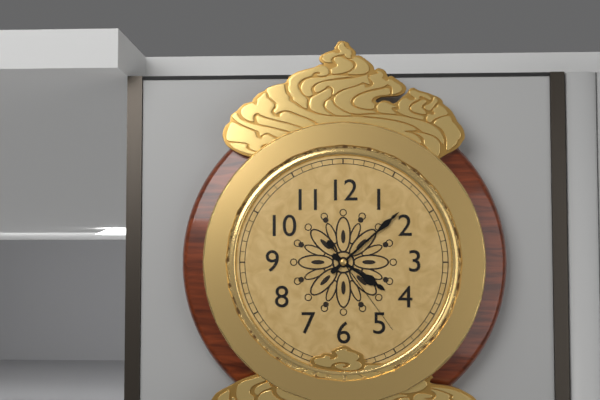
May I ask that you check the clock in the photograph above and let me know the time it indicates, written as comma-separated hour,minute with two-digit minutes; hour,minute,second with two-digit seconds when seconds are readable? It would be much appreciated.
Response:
4,08,24
